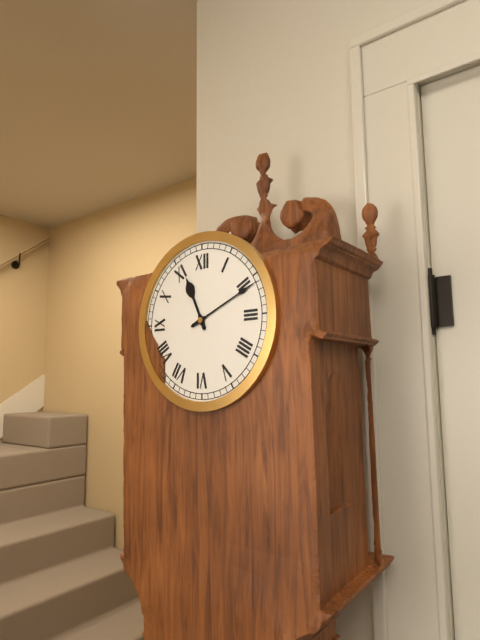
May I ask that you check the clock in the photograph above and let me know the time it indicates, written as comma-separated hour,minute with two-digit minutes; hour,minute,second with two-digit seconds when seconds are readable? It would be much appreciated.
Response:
11,11
